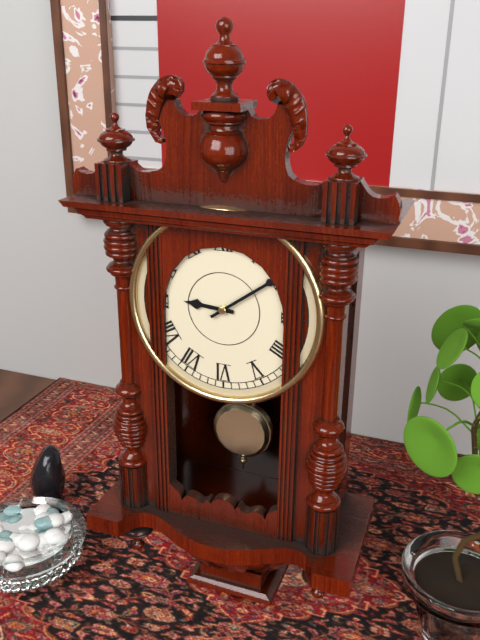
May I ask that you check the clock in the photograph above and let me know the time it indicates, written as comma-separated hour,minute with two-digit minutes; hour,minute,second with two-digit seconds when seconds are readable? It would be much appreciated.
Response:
9,09
